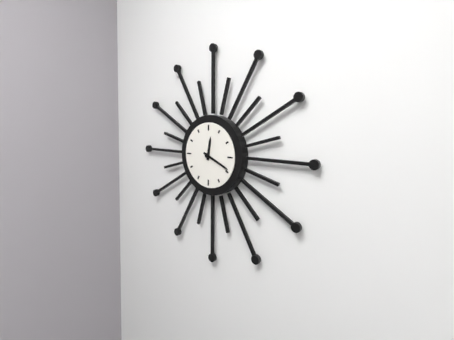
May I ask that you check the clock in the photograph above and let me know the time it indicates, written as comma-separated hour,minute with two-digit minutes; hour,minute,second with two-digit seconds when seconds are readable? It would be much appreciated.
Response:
12,19
